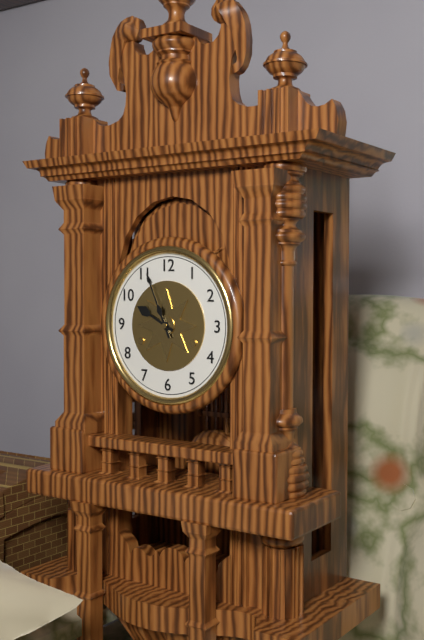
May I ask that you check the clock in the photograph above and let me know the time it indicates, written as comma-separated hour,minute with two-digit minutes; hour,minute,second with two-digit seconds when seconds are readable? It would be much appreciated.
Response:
9,56
